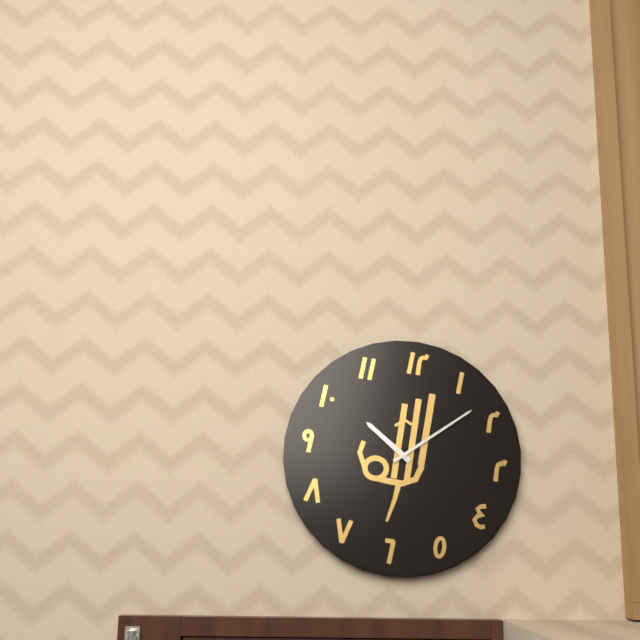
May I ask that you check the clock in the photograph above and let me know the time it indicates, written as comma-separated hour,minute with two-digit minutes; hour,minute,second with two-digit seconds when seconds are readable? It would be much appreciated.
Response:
10,08
